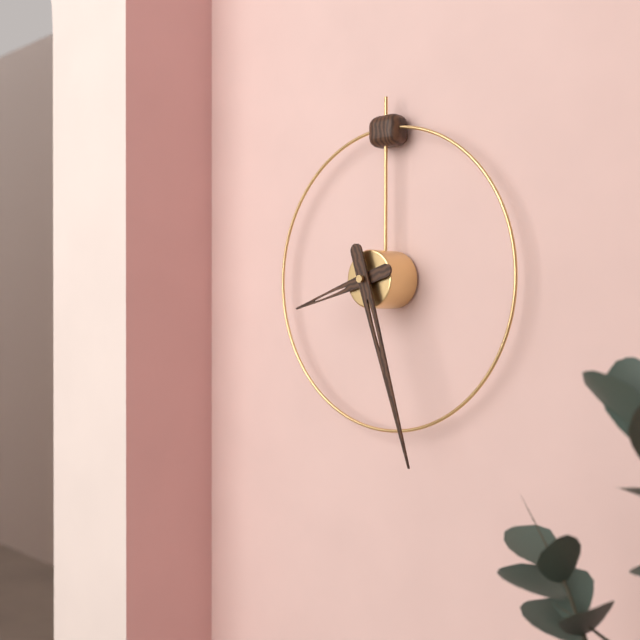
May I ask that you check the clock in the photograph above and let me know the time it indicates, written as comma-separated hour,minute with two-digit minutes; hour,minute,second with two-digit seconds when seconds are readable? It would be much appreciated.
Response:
8,27
